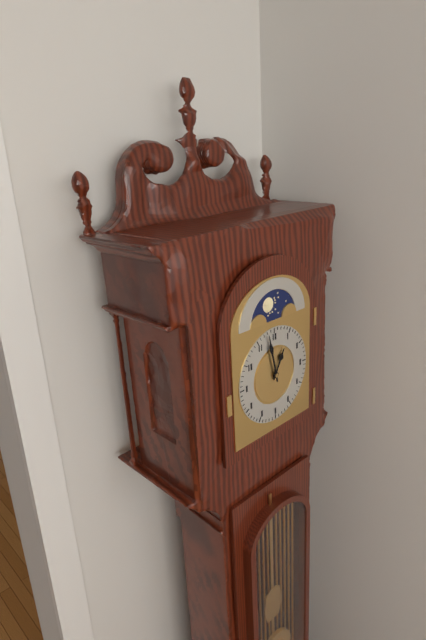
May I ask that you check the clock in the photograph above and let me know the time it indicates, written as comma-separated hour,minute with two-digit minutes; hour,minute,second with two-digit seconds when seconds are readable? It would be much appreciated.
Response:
12,58
